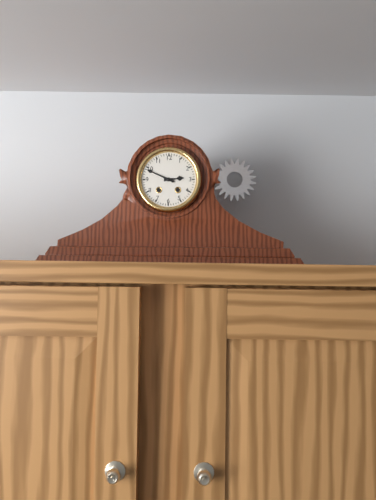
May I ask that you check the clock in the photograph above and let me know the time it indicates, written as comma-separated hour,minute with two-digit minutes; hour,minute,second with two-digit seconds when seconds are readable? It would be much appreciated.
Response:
2,49
